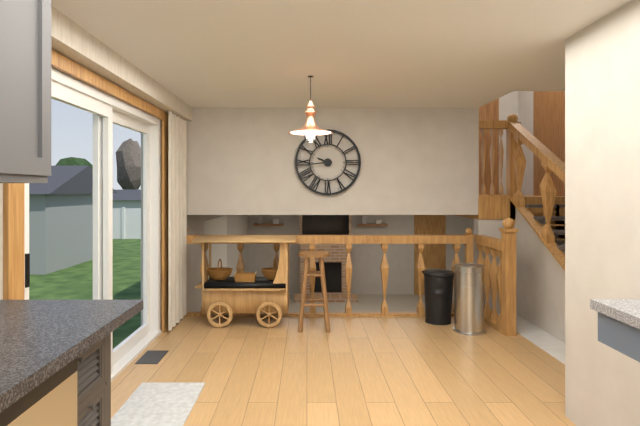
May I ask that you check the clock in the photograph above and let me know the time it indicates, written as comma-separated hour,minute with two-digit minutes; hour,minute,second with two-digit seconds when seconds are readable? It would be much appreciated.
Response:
9,44
